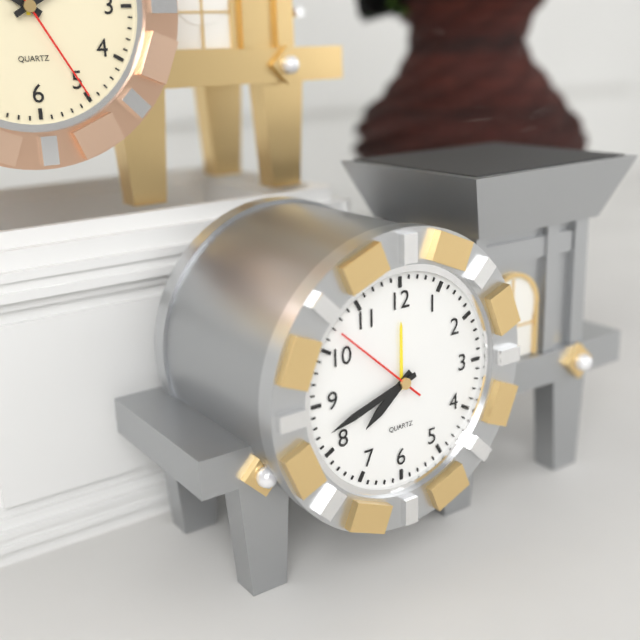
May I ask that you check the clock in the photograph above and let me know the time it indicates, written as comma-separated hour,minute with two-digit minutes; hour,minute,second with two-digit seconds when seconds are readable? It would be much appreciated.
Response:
7,42,52
